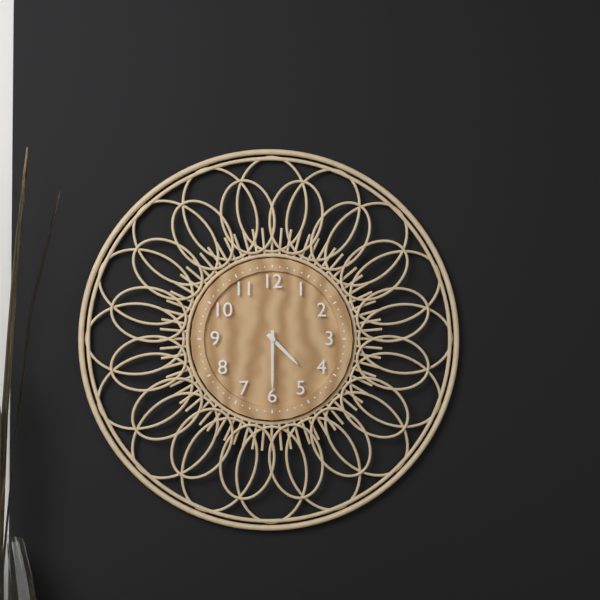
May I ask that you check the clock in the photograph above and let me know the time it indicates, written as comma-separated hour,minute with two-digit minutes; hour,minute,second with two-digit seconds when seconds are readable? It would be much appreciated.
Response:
4,30
